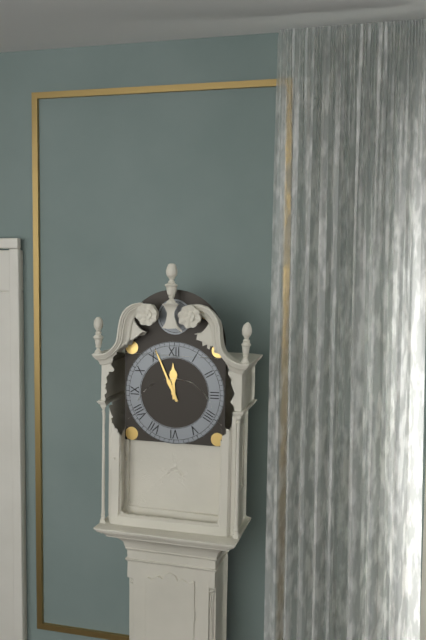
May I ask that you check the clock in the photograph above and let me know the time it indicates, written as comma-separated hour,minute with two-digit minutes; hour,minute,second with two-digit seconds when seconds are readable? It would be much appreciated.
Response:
11,56
